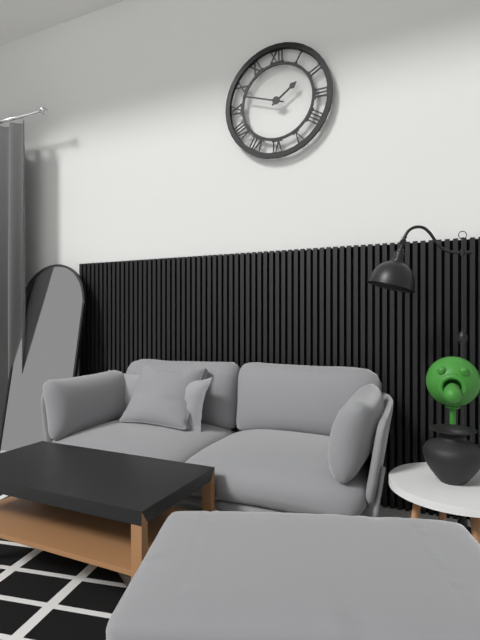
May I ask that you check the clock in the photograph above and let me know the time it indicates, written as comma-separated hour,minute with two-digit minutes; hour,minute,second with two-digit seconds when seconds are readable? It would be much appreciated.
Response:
1,48
